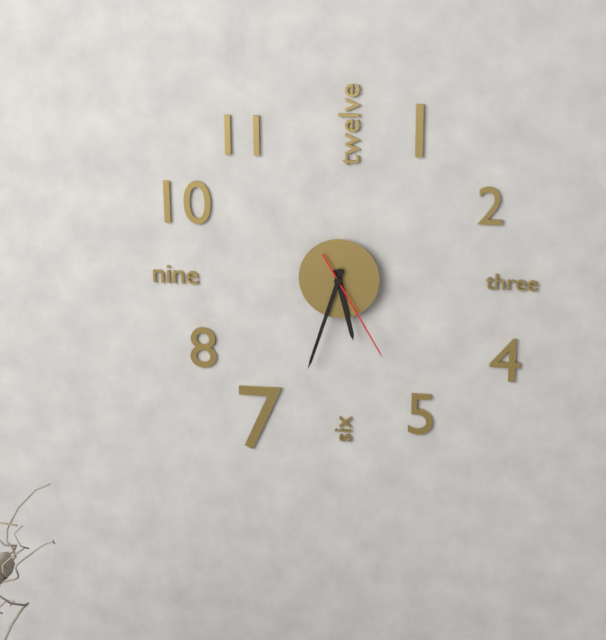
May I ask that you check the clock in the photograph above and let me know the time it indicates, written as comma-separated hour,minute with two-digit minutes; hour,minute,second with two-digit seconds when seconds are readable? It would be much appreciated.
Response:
5,33,25
